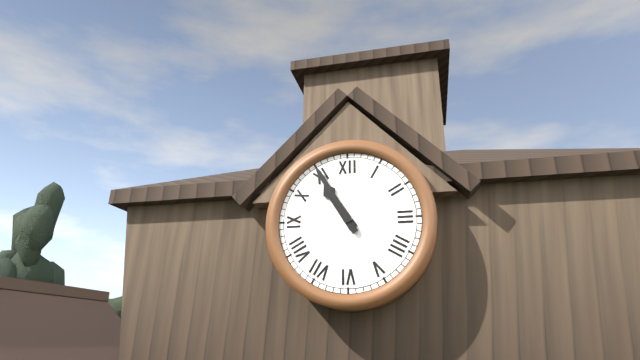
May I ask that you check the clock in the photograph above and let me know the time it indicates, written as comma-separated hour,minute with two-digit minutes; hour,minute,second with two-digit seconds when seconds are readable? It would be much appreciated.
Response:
10,55
